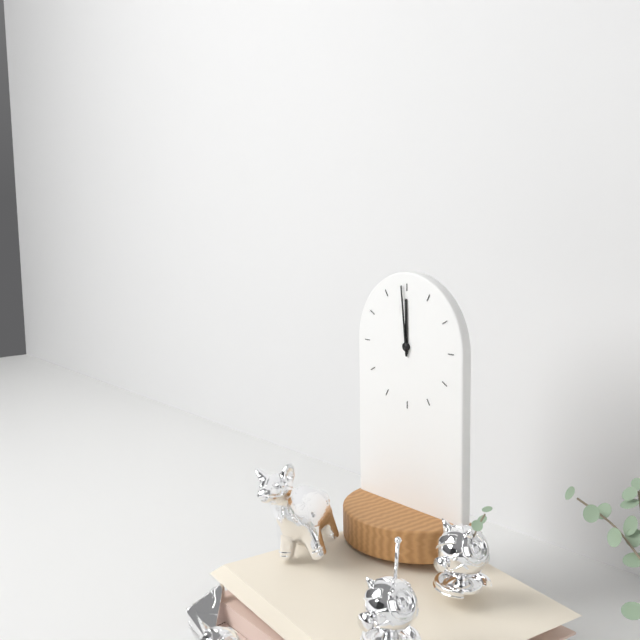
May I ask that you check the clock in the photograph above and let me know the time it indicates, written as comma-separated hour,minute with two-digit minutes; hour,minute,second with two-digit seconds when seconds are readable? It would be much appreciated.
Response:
11,59
